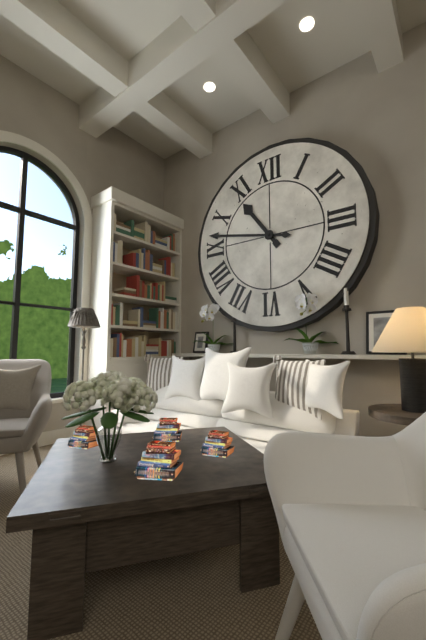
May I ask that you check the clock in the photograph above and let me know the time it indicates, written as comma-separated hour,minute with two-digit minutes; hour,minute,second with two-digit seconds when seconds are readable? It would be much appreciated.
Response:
10,47
